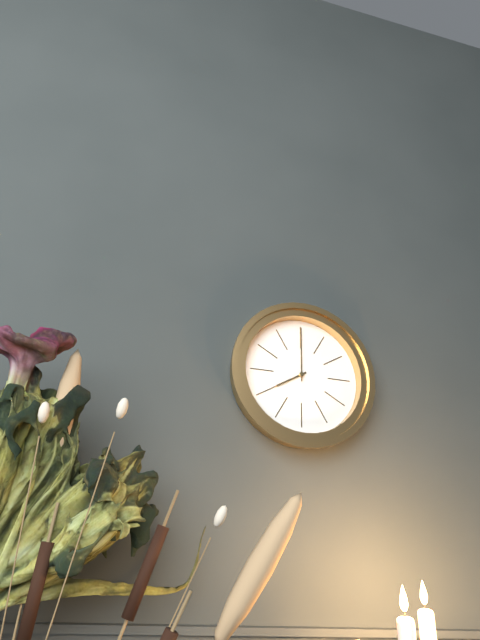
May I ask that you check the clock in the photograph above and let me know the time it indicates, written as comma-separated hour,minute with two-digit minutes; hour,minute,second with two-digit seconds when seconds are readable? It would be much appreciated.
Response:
8,00
